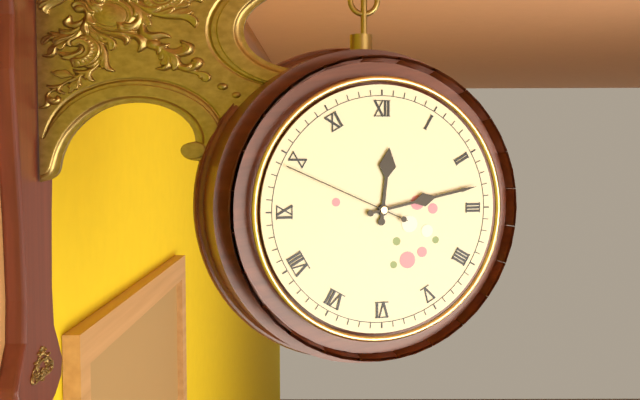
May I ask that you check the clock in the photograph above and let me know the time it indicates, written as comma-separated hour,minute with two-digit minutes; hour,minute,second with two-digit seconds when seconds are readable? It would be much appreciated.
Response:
12,13,49
